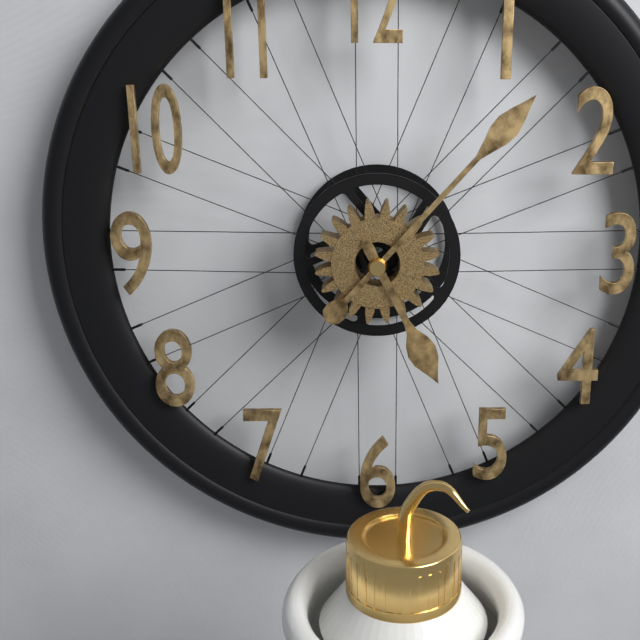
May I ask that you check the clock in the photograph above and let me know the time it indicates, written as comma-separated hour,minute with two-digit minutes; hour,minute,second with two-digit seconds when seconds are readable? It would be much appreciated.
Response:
5,07
